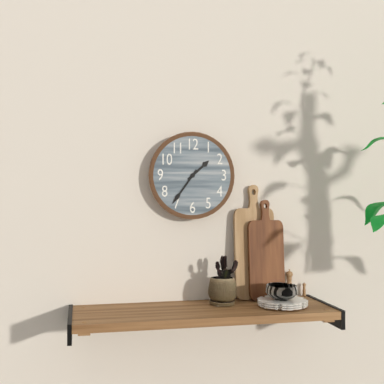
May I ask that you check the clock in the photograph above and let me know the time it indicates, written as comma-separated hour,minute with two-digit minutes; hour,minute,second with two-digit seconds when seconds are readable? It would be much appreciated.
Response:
1,36
